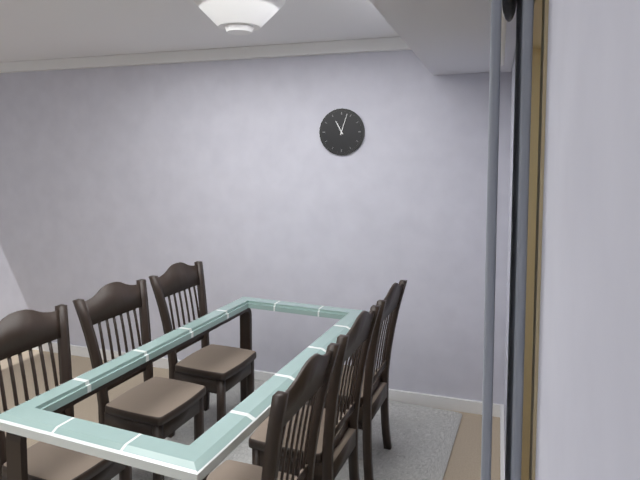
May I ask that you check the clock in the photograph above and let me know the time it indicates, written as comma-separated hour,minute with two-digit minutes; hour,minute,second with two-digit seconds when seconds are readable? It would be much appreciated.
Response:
11,03
